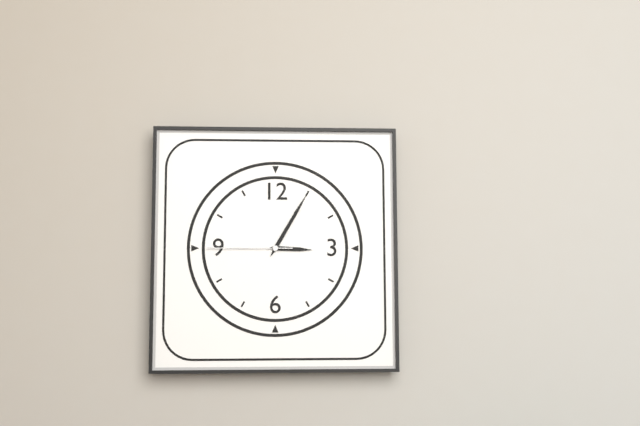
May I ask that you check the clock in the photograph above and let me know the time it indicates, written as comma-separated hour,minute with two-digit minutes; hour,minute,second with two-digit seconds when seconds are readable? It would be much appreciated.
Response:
3,05,45
